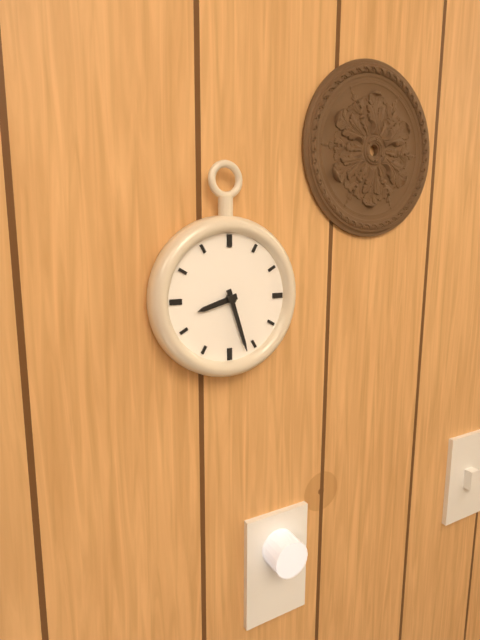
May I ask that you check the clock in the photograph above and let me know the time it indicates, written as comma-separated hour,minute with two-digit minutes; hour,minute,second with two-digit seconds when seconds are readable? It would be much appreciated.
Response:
8,27
